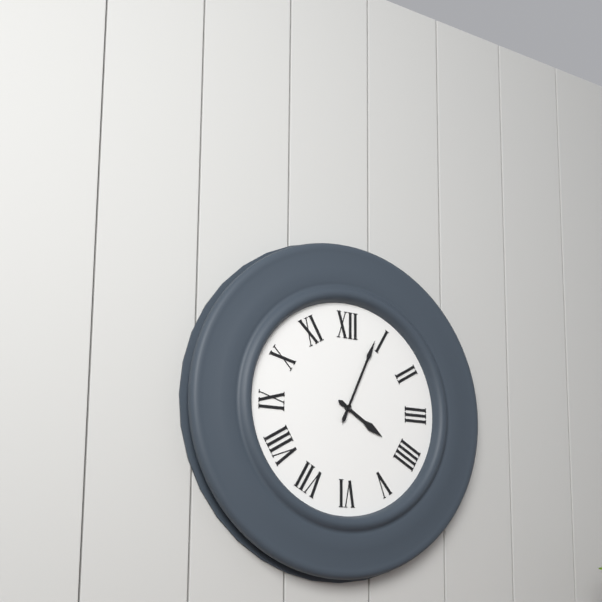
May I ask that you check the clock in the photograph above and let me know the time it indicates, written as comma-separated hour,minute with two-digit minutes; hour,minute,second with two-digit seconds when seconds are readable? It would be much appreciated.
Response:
4,04
